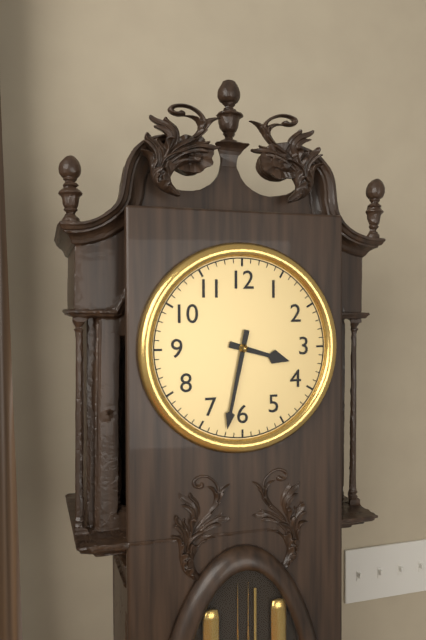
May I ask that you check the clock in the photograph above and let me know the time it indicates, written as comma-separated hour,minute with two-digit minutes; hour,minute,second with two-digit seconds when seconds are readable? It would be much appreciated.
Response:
3,32
